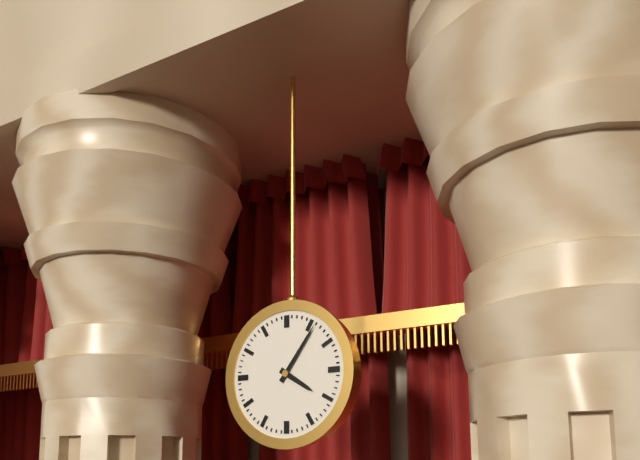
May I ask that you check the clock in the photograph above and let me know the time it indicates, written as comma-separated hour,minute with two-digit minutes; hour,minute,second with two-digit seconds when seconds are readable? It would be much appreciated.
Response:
4,06
